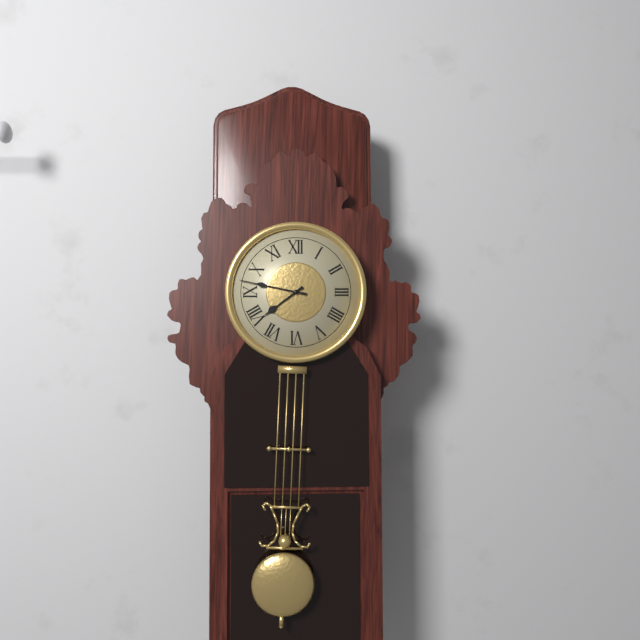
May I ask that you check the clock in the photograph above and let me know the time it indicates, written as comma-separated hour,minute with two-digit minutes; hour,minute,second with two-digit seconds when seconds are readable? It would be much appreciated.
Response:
7,47
